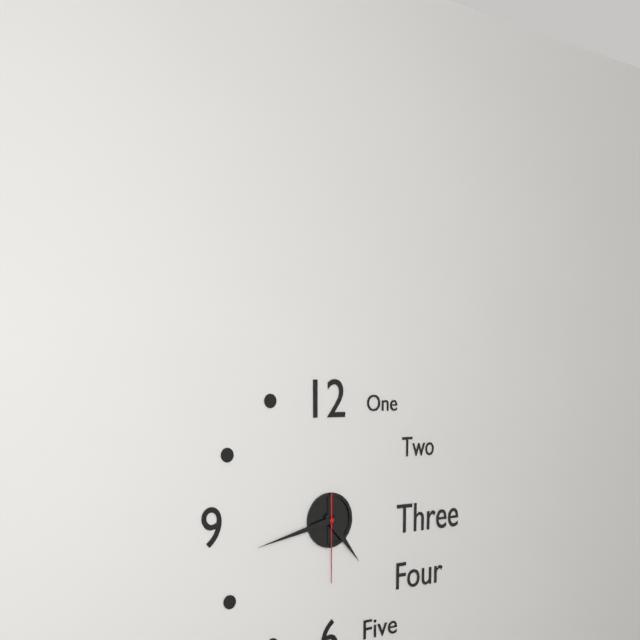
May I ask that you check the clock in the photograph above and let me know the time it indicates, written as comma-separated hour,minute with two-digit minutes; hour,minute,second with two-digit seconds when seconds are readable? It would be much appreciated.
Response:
4,43,30
